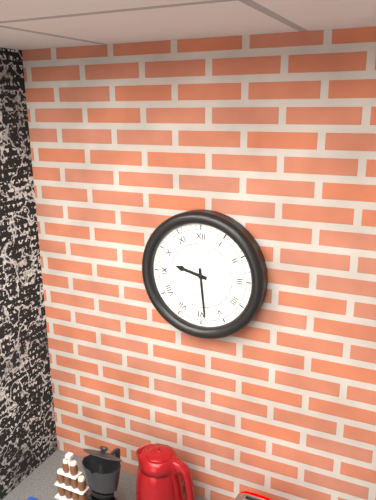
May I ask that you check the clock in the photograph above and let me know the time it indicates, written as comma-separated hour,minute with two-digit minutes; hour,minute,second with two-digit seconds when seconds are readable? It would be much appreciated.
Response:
9,29
